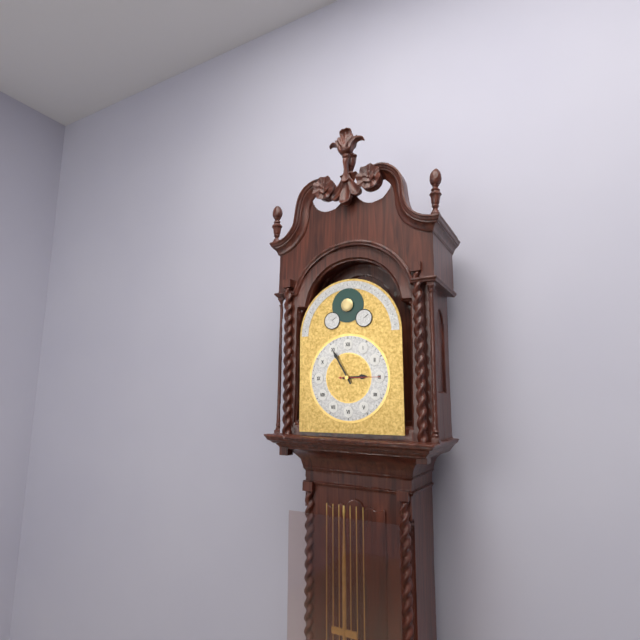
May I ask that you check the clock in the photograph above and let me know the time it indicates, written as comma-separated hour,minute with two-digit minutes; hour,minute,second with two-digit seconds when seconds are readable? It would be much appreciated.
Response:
2,55
